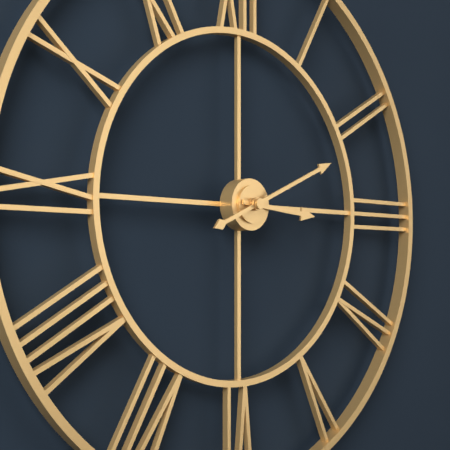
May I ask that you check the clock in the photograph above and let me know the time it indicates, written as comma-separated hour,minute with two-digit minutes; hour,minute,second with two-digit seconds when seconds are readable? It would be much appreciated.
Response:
3,11
